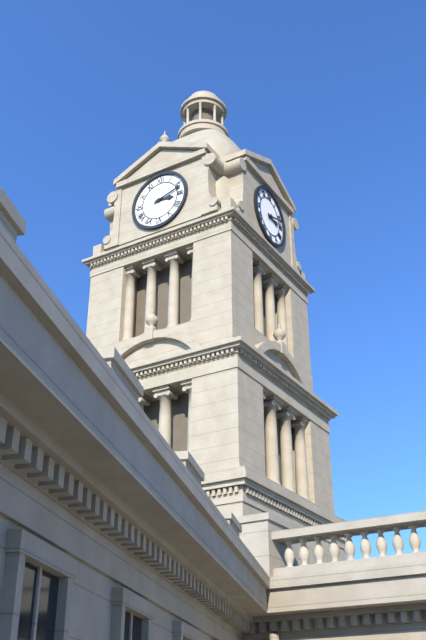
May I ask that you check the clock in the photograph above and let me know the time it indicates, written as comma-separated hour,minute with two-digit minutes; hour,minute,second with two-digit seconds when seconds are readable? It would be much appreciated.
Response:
3,12
